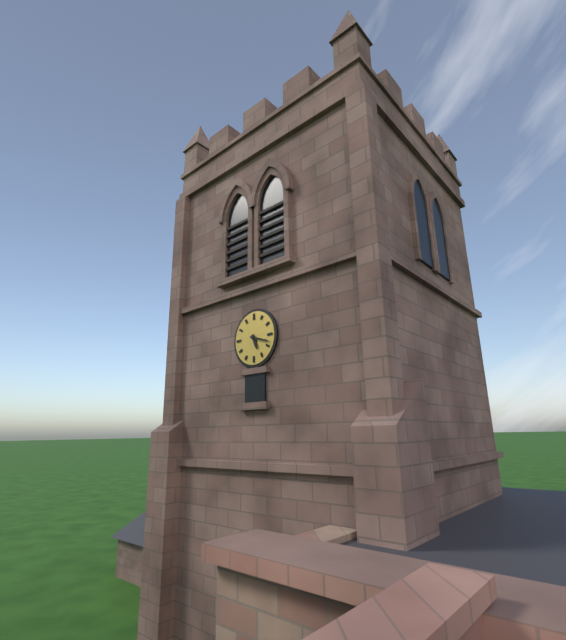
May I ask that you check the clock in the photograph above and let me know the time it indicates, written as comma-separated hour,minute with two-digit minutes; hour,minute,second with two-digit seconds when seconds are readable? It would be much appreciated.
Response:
5,18
